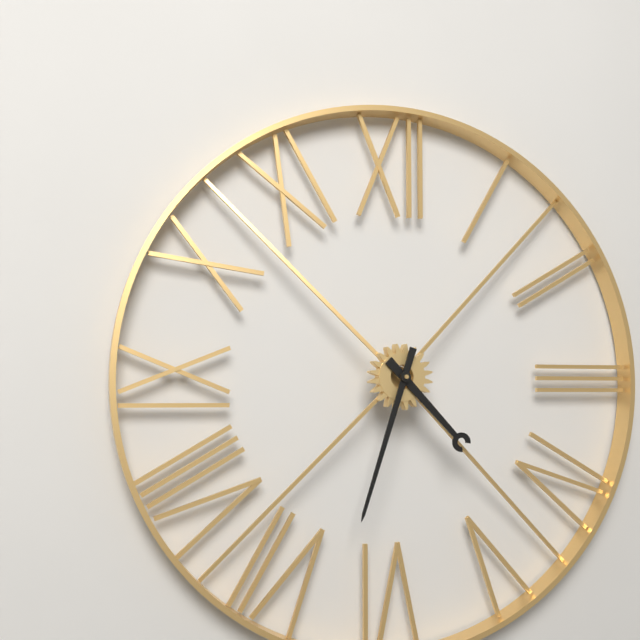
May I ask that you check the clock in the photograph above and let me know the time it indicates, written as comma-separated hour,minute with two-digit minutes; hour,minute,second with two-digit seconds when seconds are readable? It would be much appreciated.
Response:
4,33
